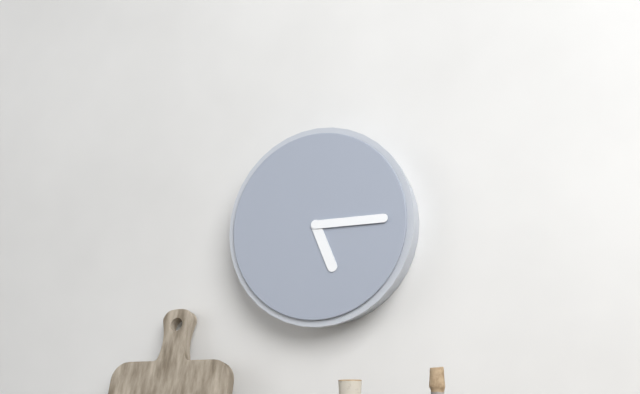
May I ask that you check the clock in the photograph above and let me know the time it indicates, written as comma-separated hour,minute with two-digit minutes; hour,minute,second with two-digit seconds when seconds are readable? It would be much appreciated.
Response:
5,15
